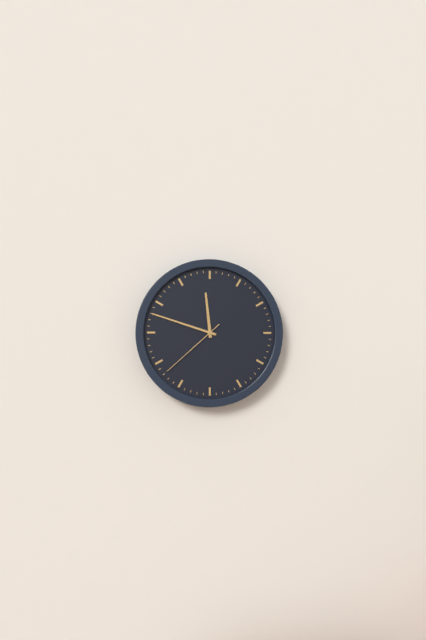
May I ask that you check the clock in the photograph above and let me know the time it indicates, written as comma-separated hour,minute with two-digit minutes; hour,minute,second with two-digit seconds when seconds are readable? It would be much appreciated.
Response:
11,48,38
